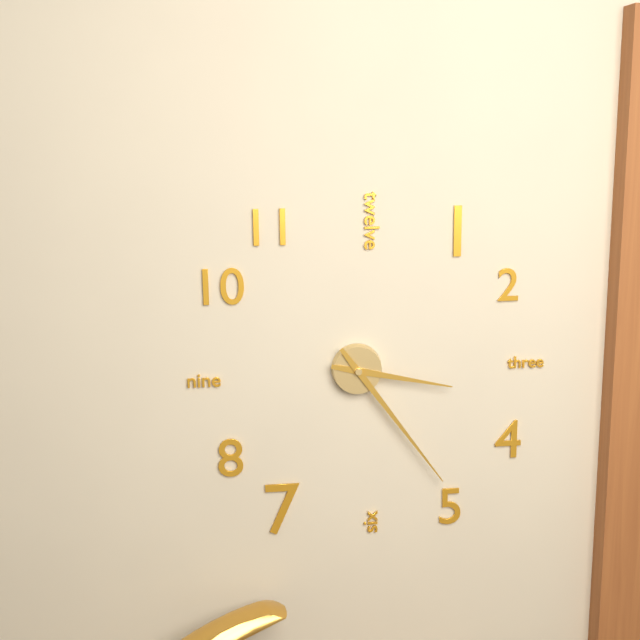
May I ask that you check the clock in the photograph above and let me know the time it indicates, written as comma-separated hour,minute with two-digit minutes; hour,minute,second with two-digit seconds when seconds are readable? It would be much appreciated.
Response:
3,24
